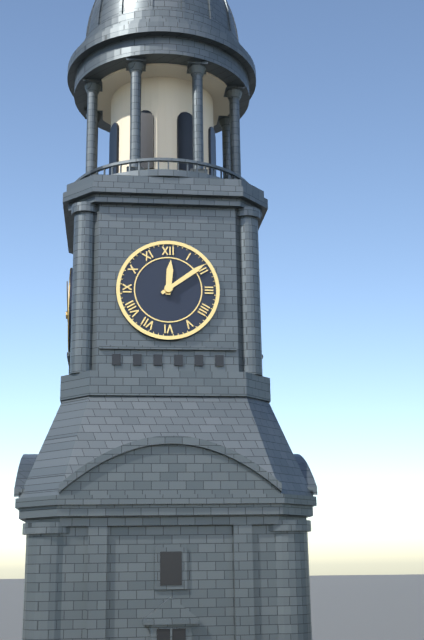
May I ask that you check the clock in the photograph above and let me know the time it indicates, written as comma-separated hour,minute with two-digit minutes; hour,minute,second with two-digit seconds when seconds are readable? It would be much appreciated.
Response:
12,09
